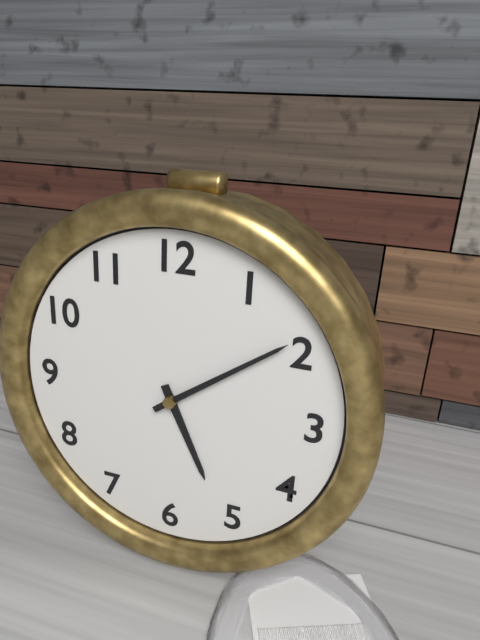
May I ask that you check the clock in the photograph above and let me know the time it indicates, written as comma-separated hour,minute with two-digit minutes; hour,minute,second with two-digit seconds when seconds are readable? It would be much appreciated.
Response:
5,09
